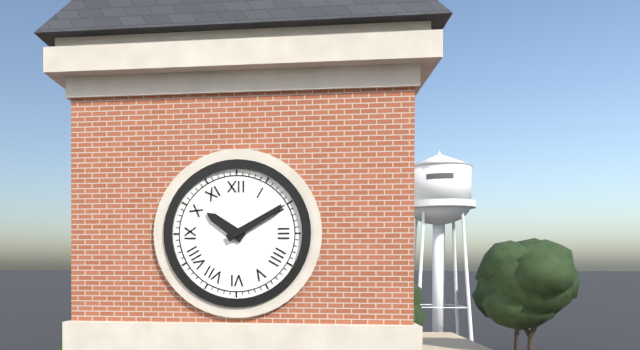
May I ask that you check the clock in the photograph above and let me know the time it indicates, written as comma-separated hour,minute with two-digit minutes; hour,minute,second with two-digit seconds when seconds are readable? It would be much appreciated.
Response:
10,10
